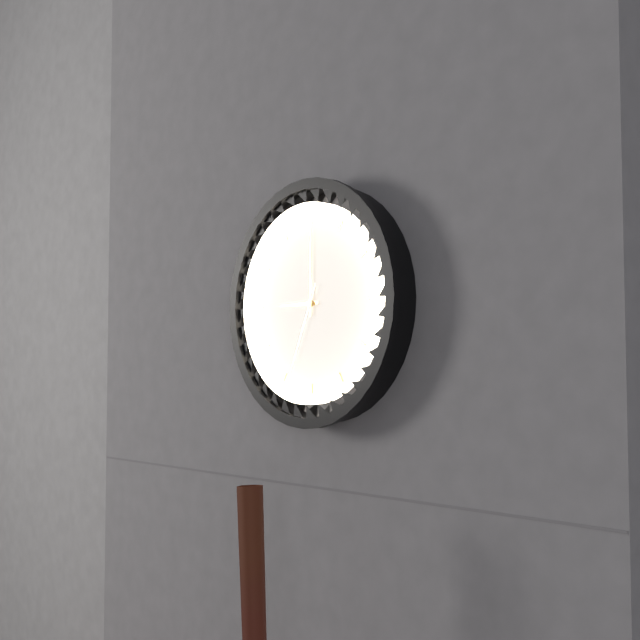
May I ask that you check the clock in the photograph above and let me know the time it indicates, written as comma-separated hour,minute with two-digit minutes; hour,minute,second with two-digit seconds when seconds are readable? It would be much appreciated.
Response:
9,00,34
